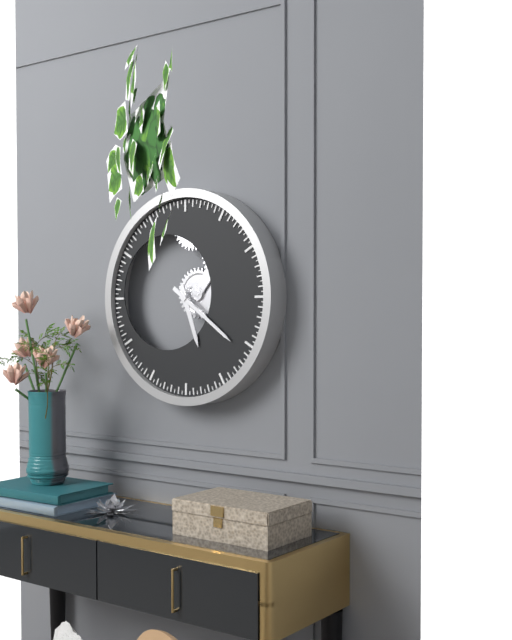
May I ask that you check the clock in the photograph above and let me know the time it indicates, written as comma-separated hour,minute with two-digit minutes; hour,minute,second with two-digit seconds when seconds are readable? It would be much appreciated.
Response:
5,21
